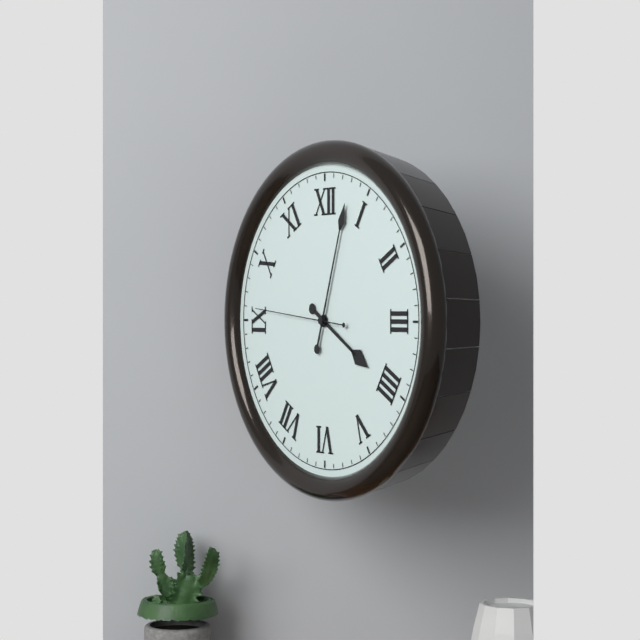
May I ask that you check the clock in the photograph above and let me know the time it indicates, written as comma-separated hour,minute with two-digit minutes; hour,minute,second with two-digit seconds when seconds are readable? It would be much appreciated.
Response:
4,03,46
